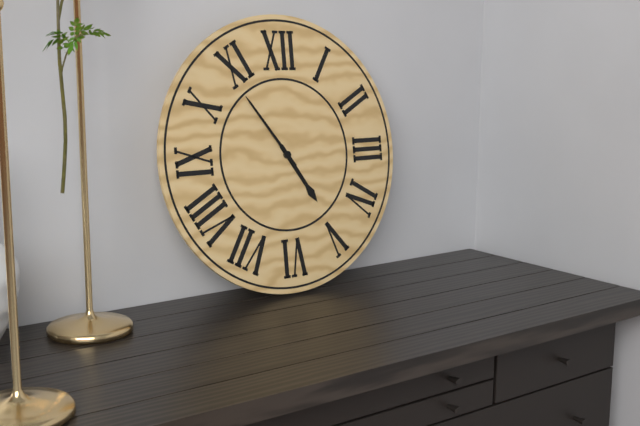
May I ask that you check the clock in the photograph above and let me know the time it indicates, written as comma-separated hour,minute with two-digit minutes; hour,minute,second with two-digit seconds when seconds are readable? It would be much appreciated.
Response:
4,54
